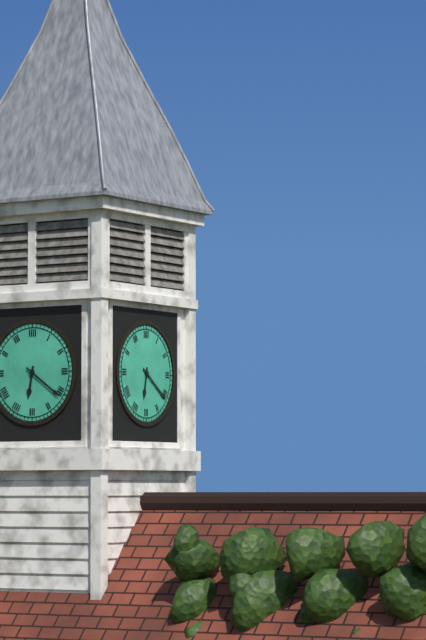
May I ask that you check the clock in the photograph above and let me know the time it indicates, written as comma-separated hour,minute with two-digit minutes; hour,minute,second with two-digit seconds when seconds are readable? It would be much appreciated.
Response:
6,21
